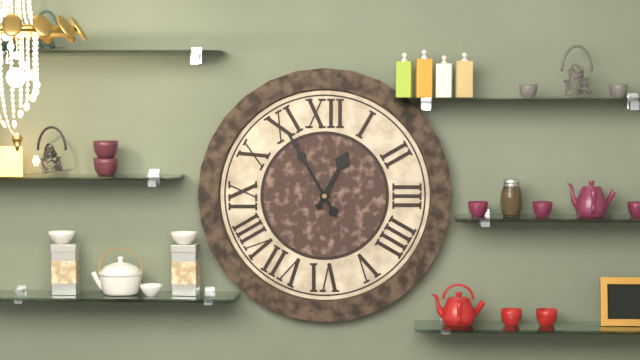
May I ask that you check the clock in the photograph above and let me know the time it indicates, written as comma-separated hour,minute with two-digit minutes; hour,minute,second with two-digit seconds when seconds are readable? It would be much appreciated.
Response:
12,55
